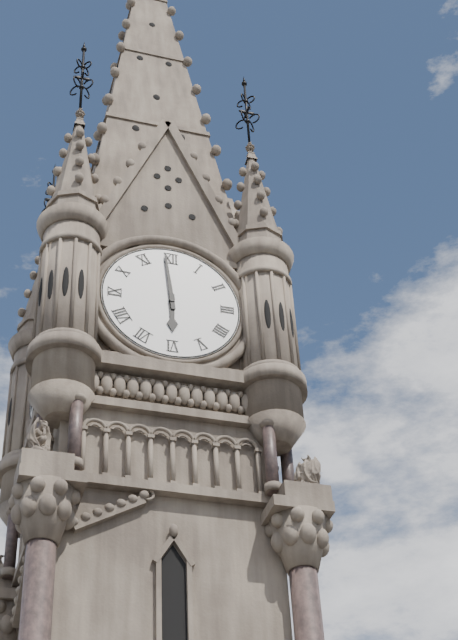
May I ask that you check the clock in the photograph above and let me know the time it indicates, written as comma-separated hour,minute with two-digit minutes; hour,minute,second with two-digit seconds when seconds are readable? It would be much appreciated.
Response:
5,59
